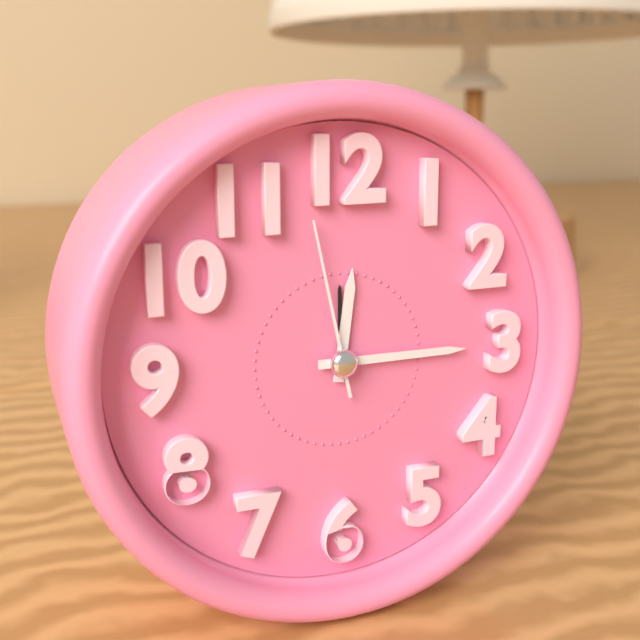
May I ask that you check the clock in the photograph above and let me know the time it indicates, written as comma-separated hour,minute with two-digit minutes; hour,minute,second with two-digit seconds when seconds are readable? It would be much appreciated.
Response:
12,15,58
